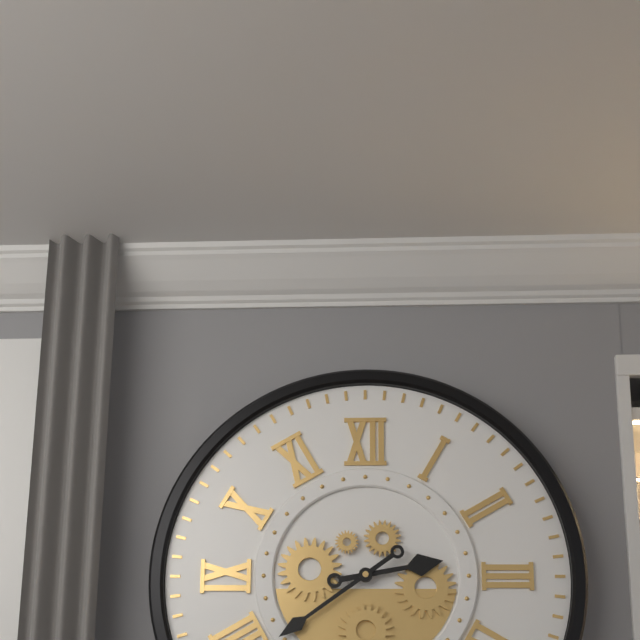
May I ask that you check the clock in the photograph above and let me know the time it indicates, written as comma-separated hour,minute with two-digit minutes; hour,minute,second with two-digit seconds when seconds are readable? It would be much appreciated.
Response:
2,39
